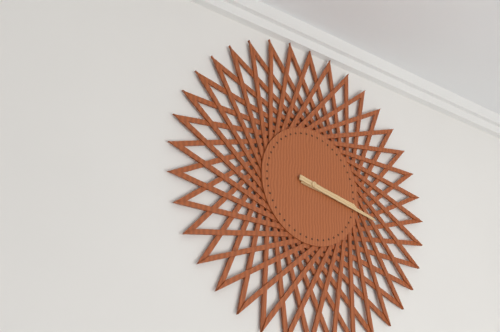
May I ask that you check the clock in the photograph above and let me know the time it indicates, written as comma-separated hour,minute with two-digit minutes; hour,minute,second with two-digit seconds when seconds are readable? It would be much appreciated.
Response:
3,17
